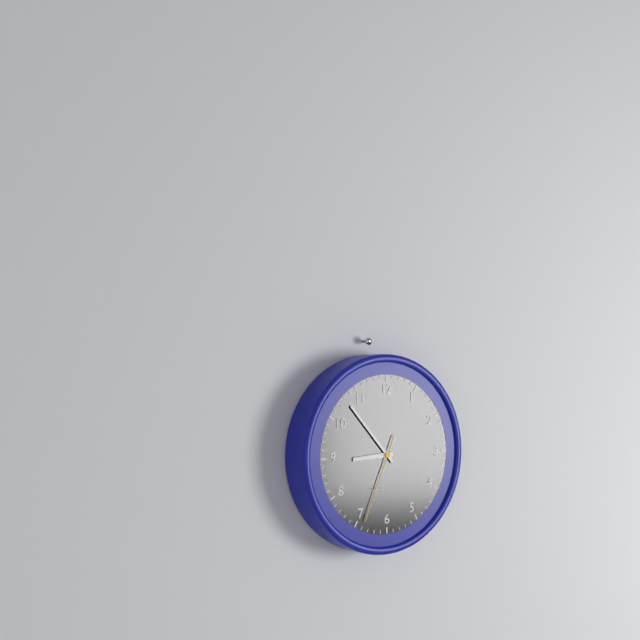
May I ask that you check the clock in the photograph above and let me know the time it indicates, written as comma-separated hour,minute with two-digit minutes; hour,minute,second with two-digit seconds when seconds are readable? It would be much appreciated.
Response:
8,53,34
